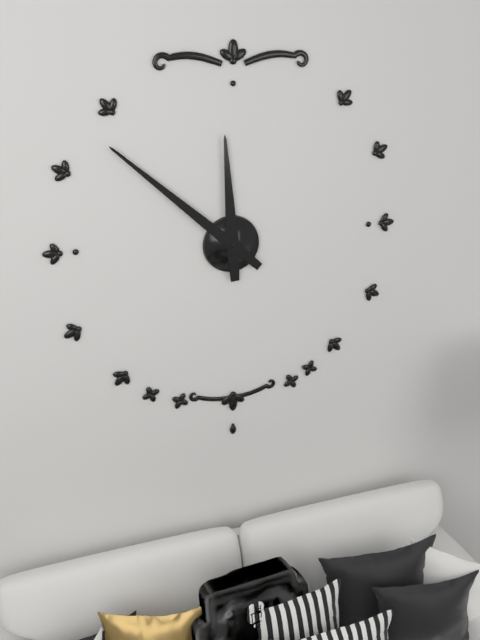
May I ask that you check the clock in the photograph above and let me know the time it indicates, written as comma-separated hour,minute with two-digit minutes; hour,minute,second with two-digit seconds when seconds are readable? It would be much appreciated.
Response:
11,52
